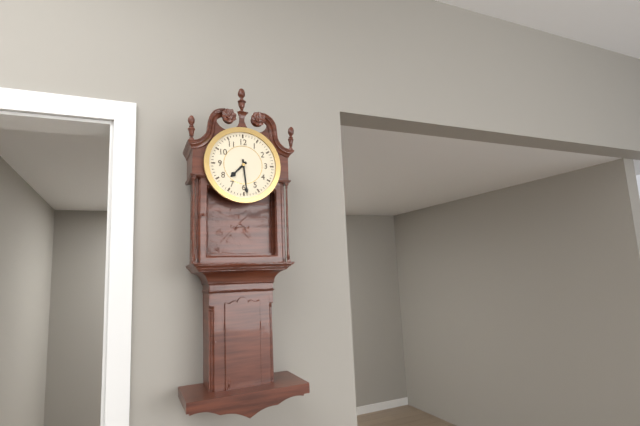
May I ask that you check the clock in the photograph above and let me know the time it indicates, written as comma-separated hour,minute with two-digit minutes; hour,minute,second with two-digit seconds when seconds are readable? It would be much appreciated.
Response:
7,29
